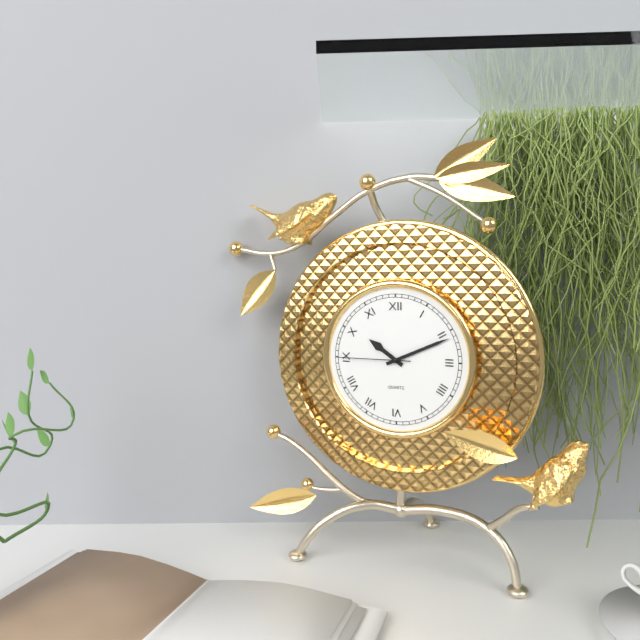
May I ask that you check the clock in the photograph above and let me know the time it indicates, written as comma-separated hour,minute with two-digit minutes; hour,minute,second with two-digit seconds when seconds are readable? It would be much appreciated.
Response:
10,11,45
